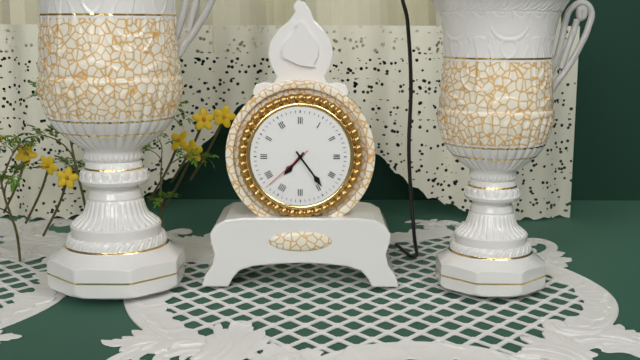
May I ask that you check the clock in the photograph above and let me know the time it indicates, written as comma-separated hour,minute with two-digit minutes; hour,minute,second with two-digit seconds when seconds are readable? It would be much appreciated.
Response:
7,24,38
